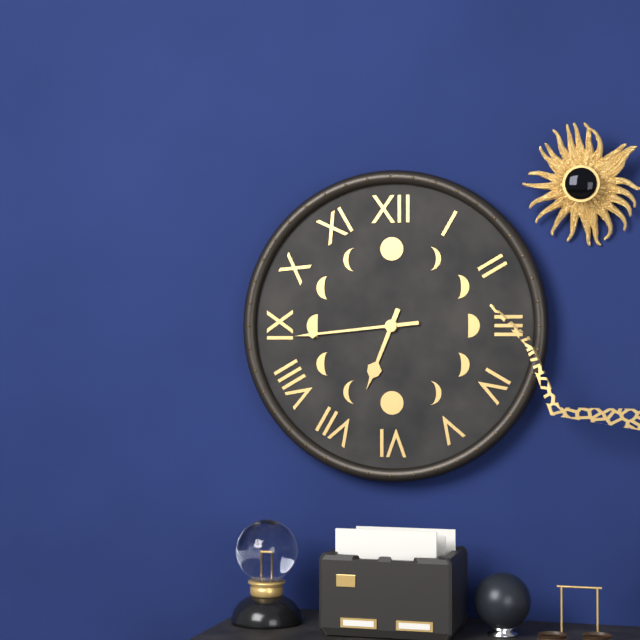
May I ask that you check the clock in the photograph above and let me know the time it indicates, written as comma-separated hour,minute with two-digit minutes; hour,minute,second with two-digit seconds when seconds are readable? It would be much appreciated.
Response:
6,44
